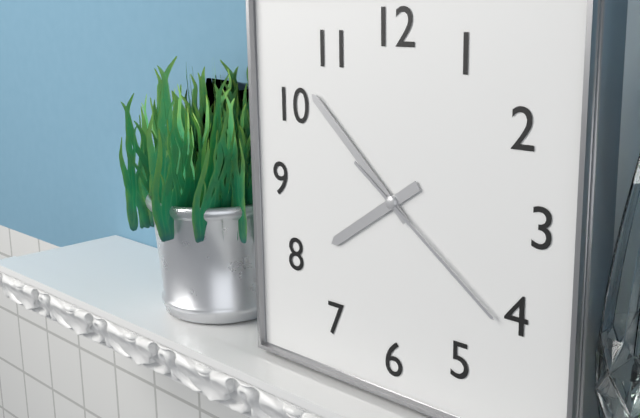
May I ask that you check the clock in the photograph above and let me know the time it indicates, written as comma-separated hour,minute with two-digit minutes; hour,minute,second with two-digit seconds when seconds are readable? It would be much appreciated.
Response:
7,52,21
